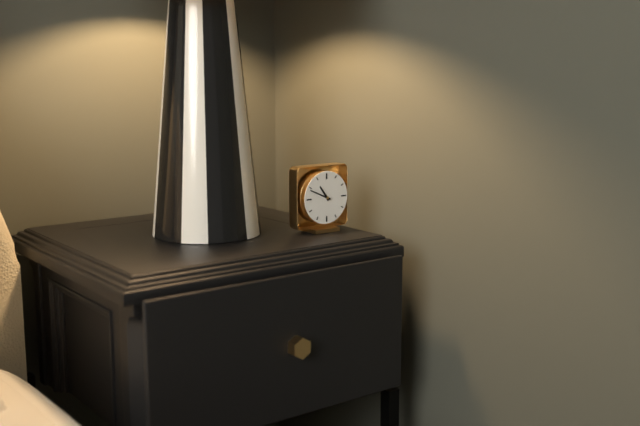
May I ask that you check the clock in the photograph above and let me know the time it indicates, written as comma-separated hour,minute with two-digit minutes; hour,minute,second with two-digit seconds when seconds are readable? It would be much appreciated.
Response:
10,49
